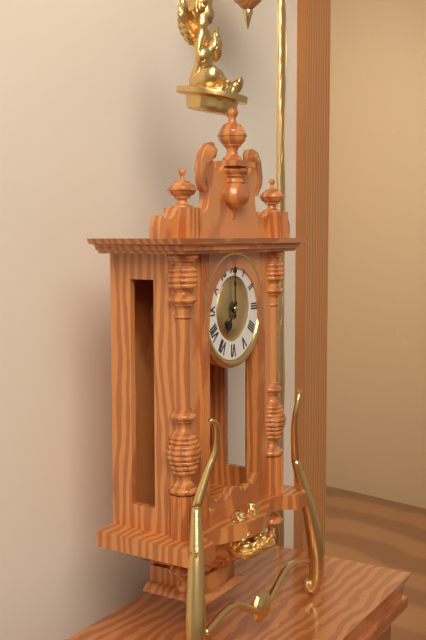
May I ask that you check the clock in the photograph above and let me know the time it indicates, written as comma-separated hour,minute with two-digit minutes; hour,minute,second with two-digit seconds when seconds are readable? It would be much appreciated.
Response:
7,00
